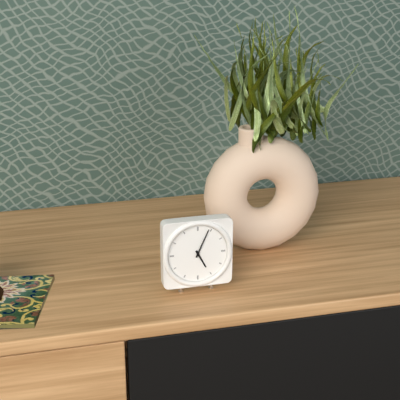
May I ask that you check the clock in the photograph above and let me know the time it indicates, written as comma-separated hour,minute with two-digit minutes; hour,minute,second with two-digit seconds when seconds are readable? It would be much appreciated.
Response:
5,04
